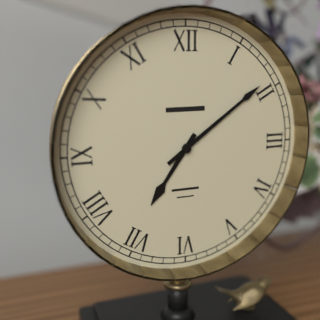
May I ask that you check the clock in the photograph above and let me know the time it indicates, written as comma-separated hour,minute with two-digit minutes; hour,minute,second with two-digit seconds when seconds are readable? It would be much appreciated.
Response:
7,09
